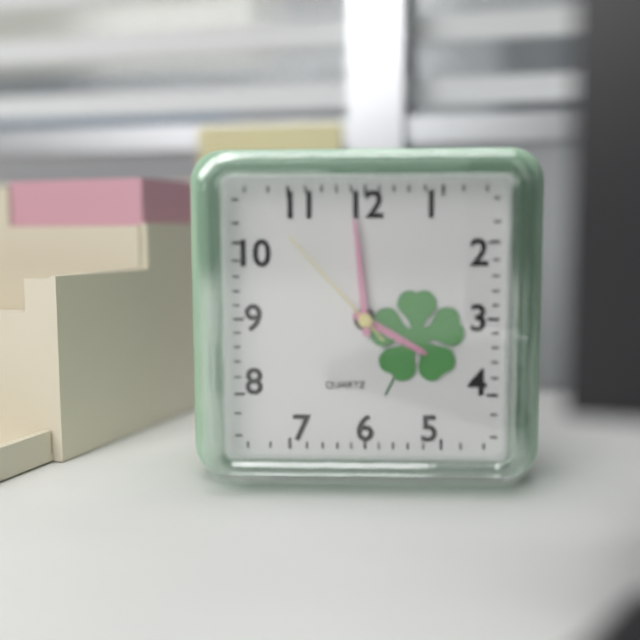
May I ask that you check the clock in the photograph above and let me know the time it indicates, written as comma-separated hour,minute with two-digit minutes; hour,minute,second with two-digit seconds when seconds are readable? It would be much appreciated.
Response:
3,59,53
